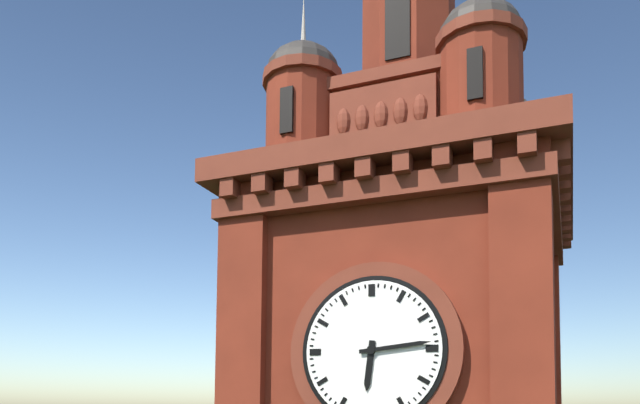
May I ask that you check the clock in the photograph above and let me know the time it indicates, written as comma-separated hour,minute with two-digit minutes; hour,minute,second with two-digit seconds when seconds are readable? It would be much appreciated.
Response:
6,14
